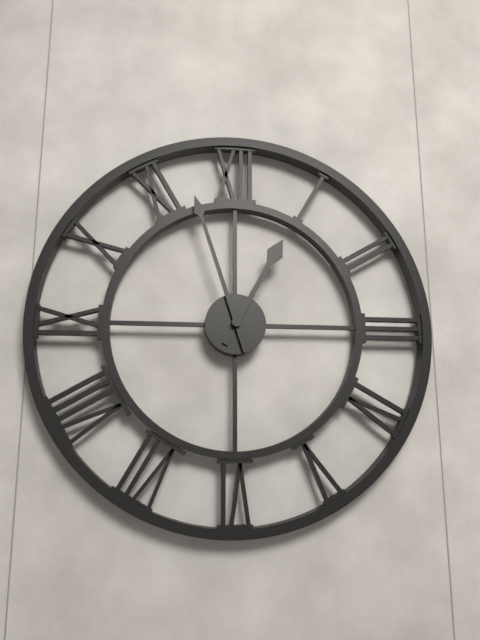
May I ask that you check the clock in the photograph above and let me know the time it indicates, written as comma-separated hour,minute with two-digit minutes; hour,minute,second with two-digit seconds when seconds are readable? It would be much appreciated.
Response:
12,57
